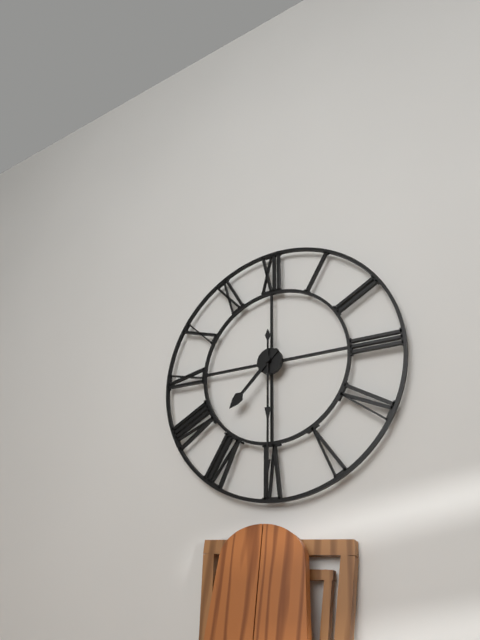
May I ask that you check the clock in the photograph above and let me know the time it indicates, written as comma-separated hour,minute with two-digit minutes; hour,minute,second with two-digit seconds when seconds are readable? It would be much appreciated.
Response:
7,30
